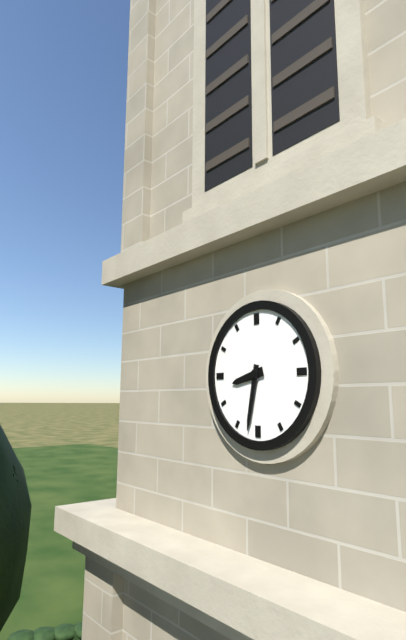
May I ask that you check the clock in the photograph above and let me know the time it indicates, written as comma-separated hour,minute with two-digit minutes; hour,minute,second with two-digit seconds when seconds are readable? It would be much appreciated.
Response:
8,32
